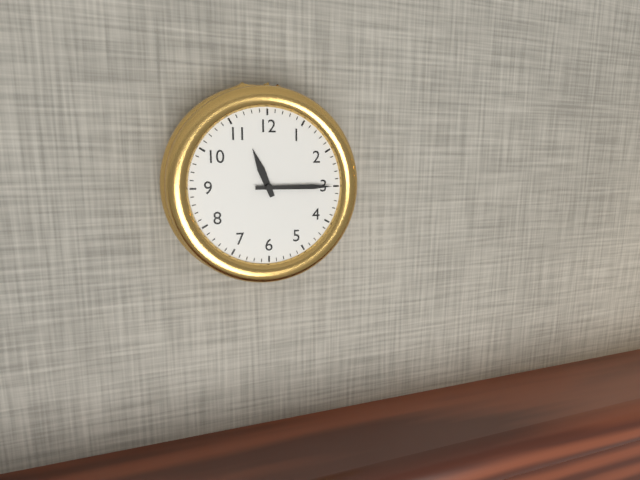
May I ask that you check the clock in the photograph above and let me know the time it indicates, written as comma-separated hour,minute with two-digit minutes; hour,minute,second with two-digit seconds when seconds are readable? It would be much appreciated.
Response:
11,15
